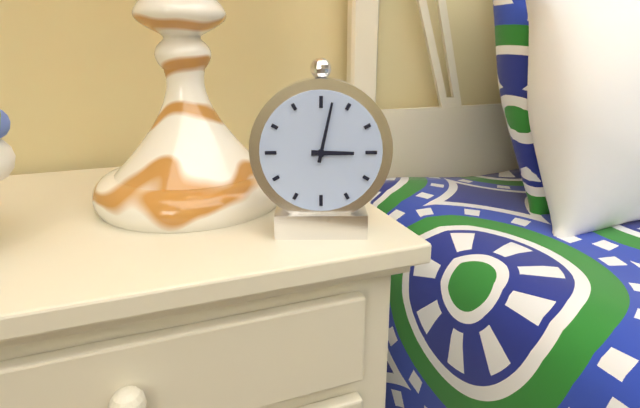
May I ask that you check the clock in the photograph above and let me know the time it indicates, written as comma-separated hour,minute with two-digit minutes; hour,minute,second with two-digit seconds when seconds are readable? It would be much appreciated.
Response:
3,02
